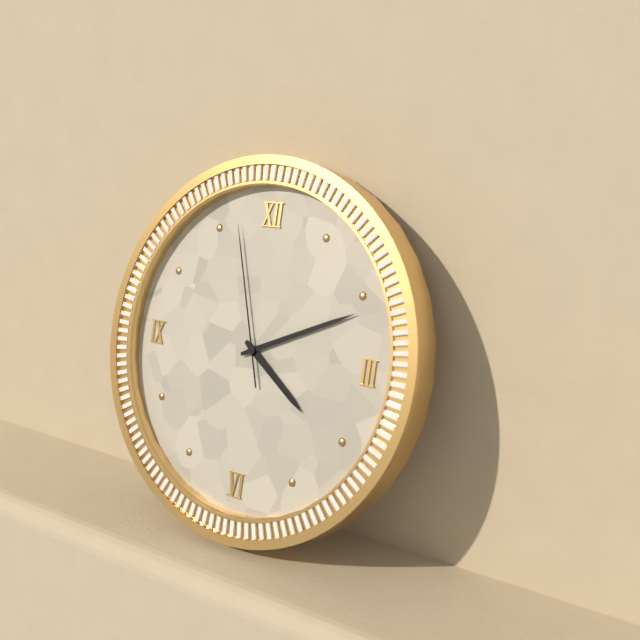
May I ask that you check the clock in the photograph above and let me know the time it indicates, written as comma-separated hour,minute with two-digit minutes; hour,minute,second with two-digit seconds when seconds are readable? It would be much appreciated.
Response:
4,11,57
